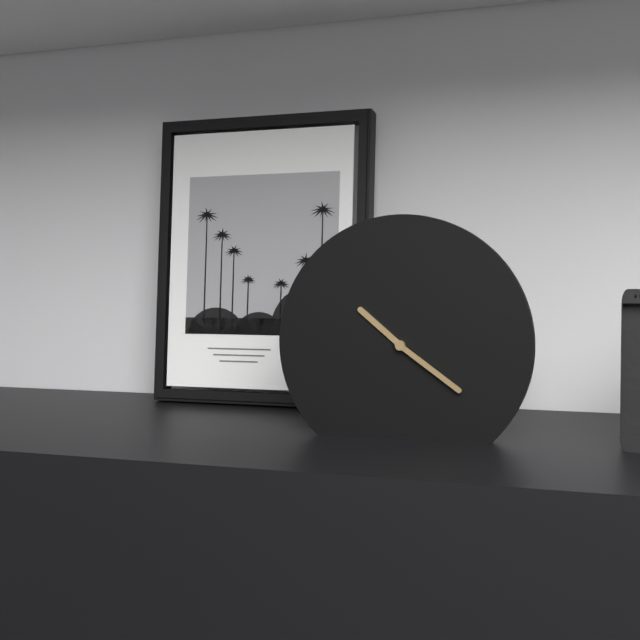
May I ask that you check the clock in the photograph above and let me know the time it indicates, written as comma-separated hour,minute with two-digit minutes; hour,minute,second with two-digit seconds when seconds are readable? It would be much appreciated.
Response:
10,21
